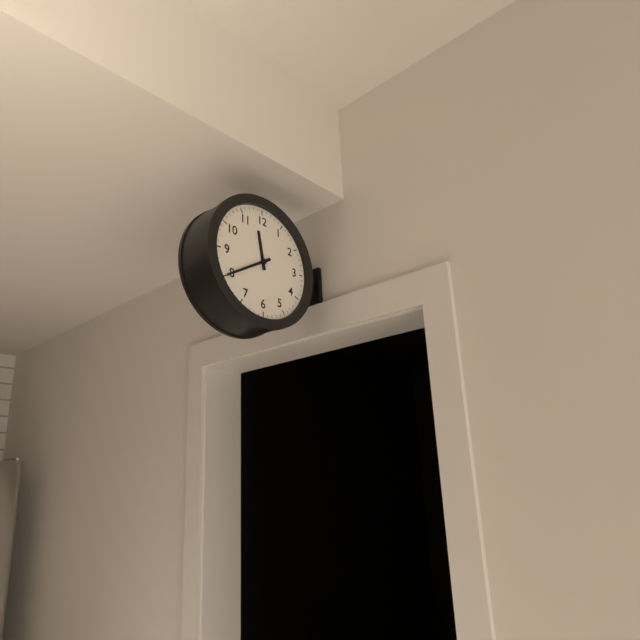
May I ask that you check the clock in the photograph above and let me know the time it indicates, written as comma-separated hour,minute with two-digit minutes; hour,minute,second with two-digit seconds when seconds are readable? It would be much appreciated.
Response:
11,40
